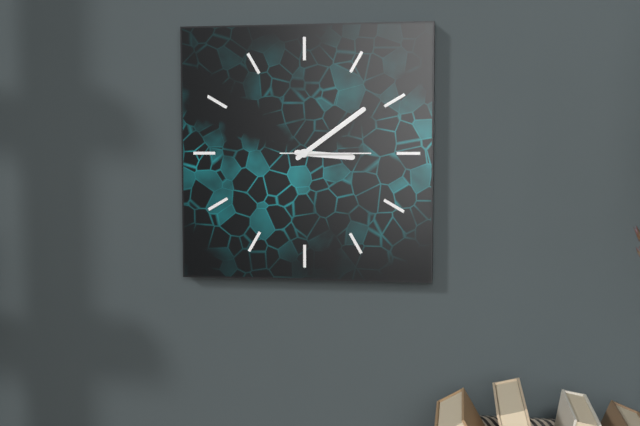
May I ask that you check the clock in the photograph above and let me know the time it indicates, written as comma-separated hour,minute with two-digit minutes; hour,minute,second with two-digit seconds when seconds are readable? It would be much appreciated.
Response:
3,09,15
